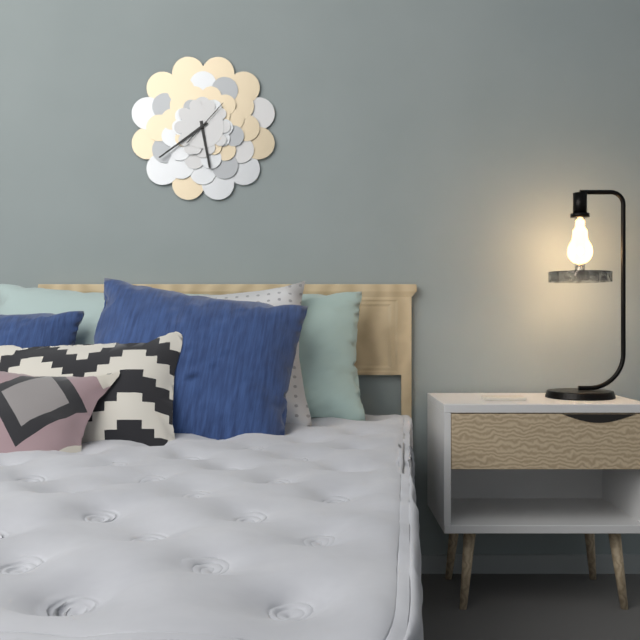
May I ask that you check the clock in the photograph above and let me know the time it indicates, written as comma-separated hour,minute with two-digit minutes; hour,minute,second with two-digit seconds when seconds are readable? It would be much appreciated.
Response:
5,39
